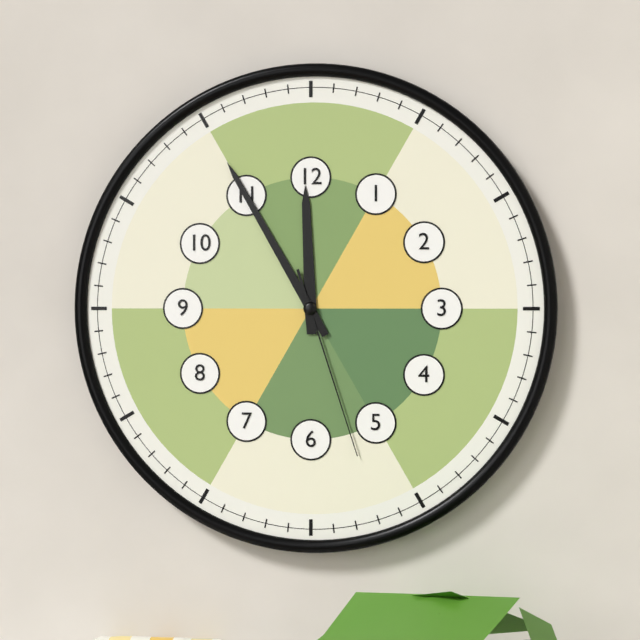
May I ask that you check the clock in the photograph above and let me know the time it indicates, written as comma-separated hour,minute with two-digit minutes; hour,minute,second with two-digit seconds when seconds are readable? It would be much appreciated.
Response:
11,55,27
